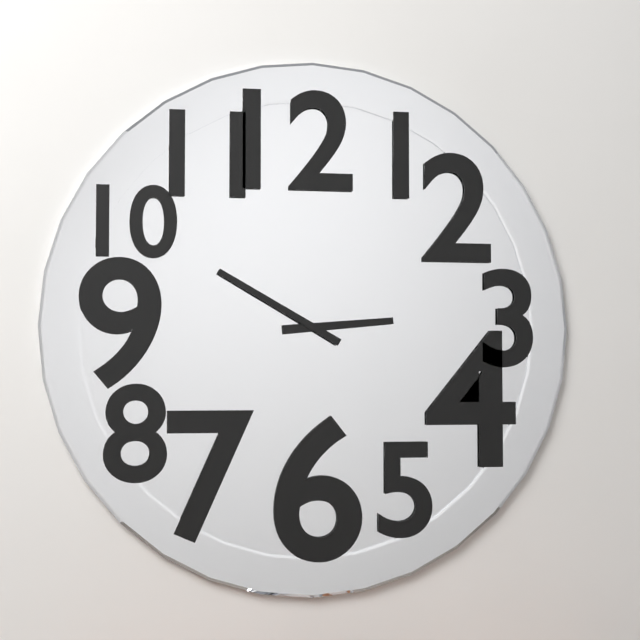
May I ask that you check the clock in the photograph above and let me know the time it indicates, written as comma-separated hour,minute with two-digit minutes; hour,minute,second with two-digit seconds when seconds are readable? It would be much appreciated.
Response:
2,50
